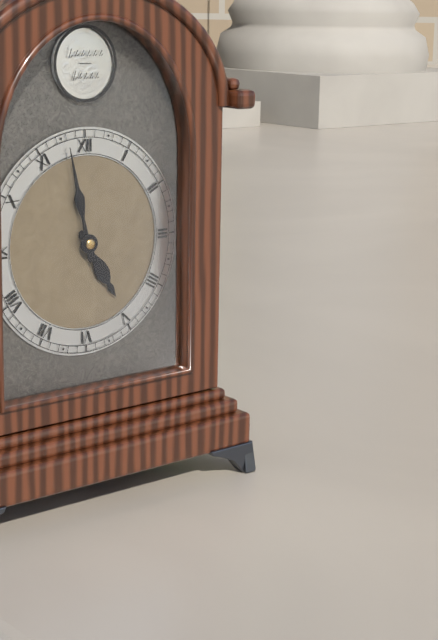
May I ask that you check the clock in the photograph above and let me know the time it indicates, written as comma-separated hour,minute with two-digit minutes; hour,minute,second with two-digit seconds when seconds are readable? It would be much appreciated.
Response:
4,58
